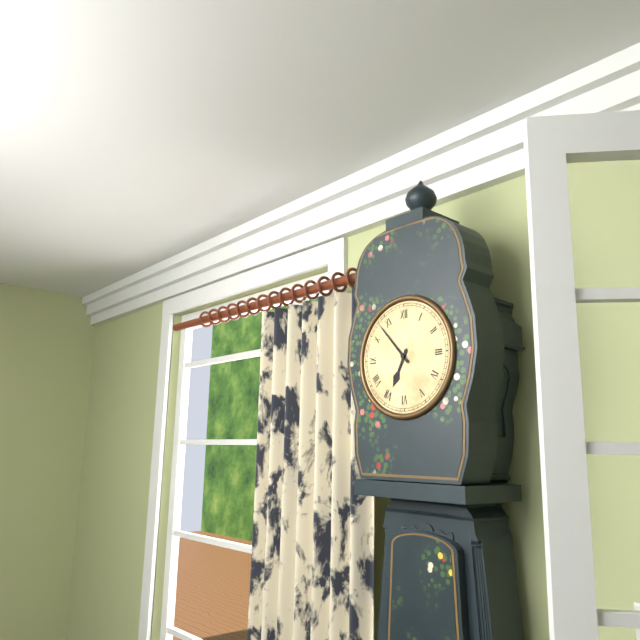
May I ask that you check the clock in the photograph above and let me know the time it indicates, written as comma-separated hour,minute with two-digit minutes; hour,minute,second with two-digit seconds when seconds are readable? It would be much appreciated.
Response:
6,53
